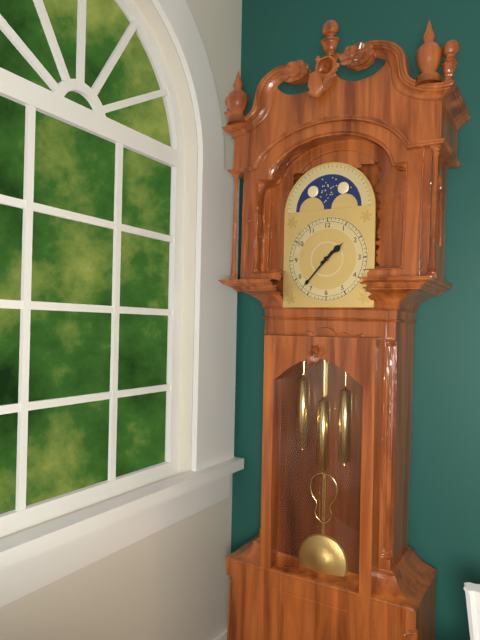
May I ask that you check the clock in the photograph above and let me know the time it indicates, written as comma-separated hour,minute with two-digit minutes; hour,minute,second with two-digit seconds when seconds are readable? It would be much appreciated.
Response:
1,37
